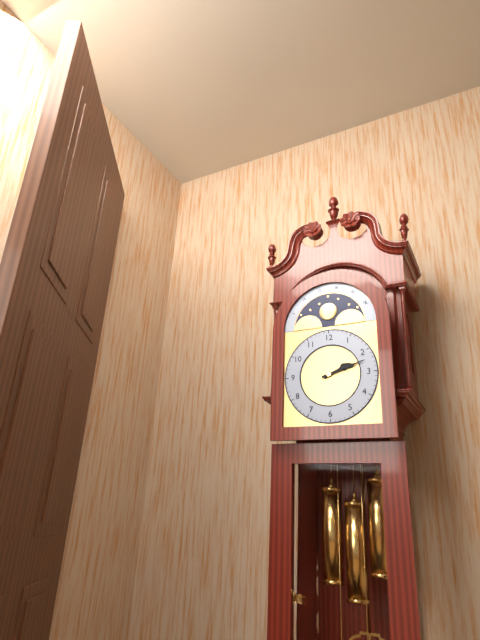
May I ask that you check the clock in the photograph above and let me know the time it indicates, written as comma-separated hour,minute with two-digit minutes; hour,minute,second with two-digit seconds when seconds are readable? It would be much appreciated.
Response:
2,12
